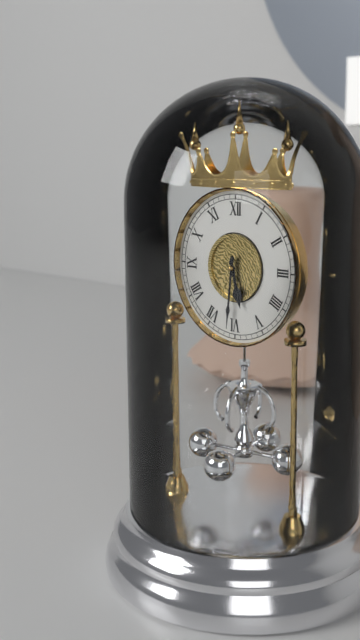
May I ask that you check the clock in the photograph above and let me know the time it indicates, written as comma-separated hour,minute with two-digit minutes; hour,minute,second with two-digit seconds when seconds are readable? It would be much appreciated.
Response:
5,31
